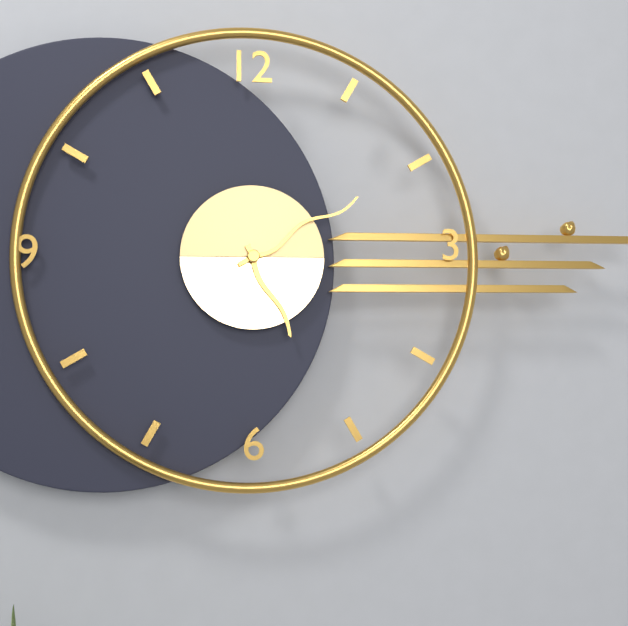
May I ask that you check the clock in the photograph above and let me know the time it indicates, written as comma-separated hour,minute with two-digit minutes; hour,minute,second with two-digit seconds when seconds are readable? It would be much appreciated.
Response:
5,10
